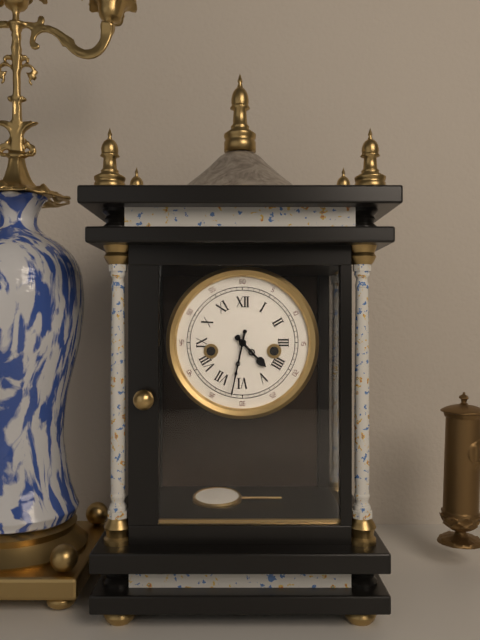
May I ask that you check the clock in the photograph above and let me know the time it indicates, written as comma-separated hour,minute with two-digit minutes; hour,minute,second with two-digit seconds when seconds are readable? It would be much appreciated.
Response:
4,32
